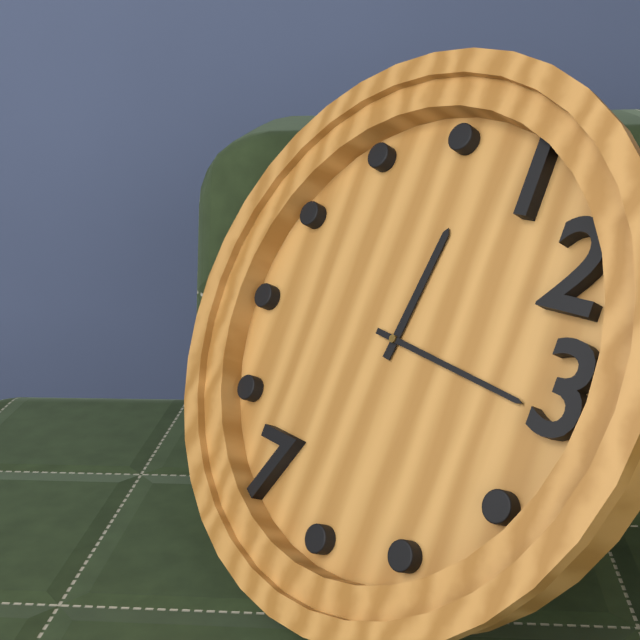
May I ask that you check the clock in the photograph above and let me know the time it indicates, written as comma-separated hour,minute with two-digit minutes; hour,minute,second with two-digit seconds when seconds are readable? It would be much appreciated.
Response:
12,16
